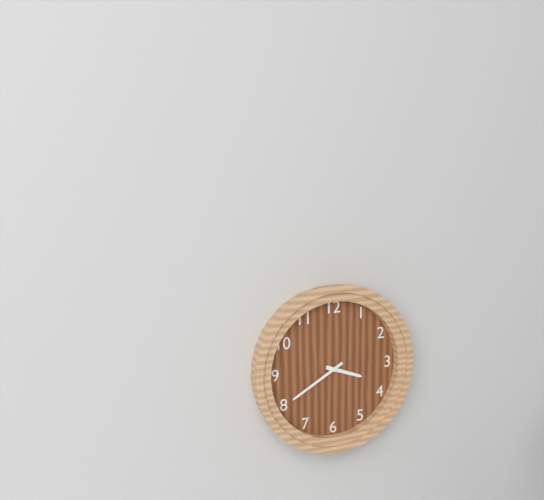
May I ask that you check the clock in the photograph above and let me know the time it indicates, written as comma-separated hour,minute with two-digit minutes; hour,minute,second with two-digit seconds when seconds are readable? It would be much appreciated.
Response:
3,40
